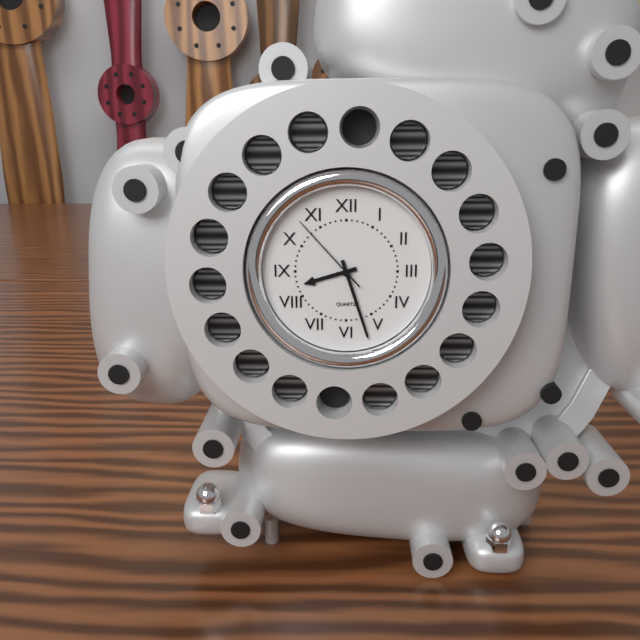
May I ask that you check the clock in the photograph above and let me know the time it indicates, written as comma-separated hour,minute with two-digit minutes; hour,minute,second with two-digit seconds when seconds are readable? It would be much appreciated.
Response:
8,27,53
